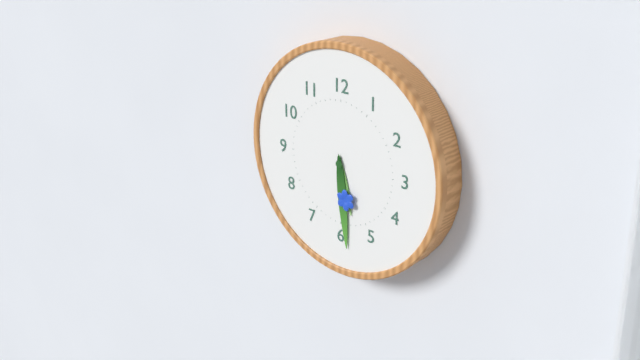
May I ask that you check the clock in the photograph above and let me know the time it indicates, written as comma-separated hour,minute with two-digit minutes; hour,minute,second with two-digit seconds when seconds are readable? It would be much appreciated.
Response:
5,29
